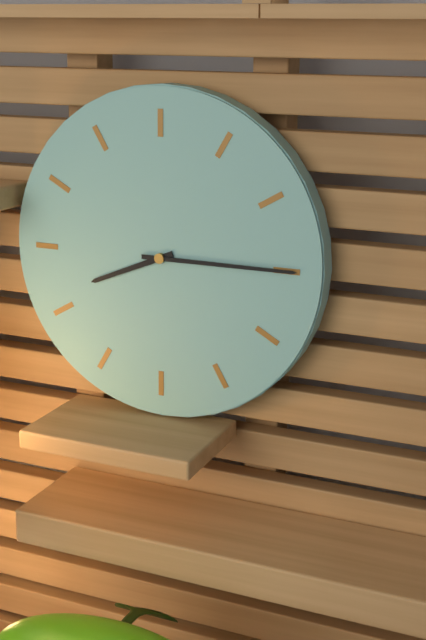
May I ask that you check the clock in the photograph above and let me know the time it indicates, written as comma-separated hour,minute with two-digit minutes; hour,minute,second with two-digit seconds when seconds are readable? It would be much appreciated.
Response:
8,15
